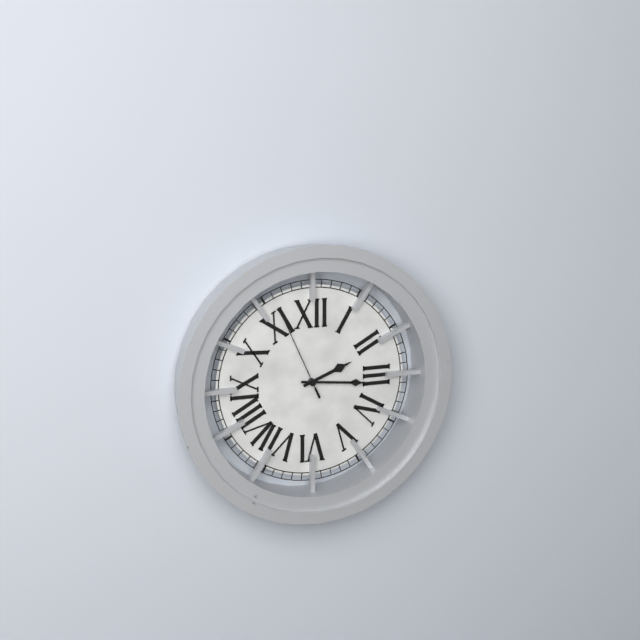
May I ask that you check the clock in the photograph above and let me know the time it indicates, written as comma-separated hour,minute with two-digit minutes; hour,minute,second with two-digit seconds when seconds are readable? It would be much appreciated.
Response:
2,16,56
